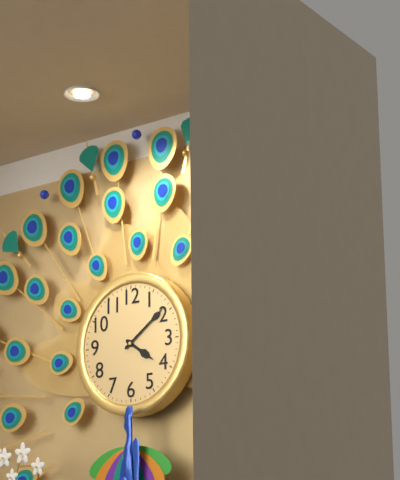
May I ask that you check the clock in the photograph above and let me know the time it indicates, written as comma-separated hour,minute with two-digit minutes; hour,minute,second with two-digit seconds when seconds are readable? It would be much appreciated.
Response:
4,09
